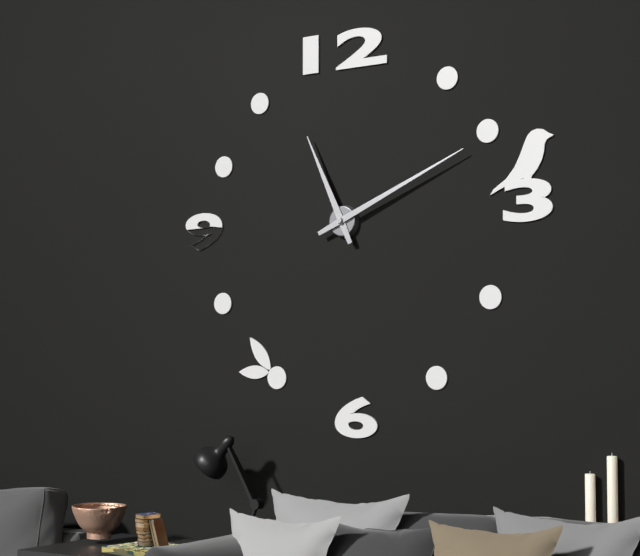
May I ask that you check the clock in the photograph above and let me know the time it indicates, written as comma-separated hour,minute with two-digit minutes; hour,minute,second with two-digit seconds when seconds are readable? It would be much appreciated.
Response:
11,11
